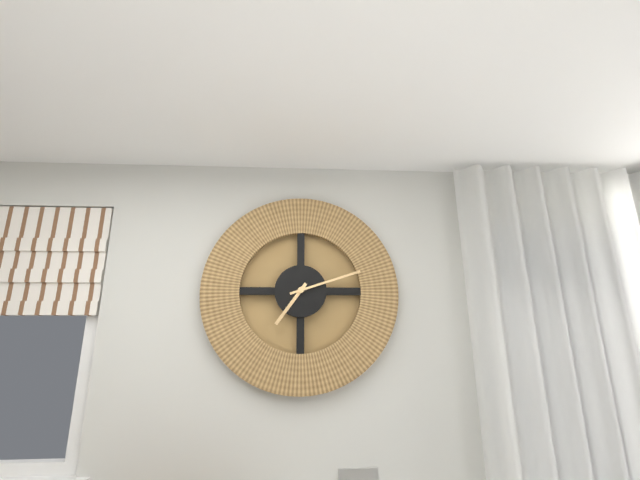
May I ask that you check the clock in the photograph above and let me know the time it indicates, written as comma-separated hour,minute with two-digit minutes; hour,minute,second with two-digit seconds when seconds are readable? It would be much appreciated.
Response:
7,12
